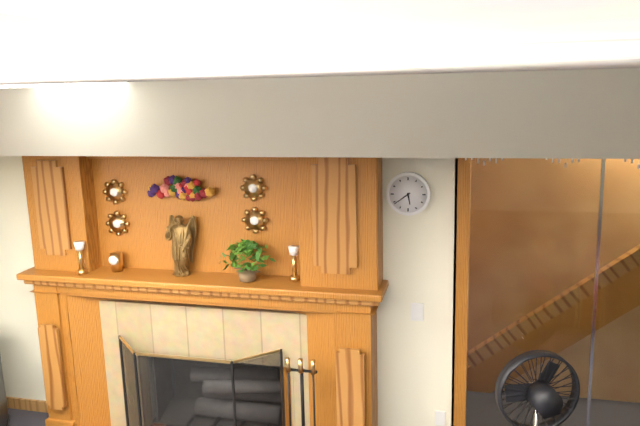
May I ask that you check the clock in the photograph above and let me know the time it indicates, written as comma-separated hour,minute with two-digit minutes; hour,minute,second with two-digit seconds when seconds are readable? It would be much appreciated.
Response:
5,39
